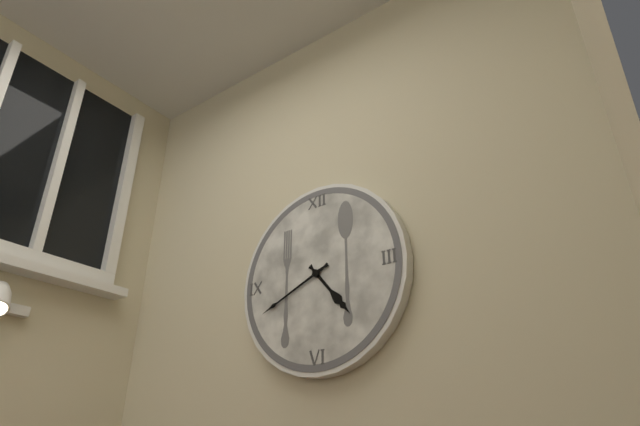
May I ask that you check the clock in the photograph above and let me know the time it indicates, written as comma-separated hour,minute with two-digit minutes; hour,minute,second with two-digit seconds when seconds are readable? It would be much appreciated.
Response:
4,41
